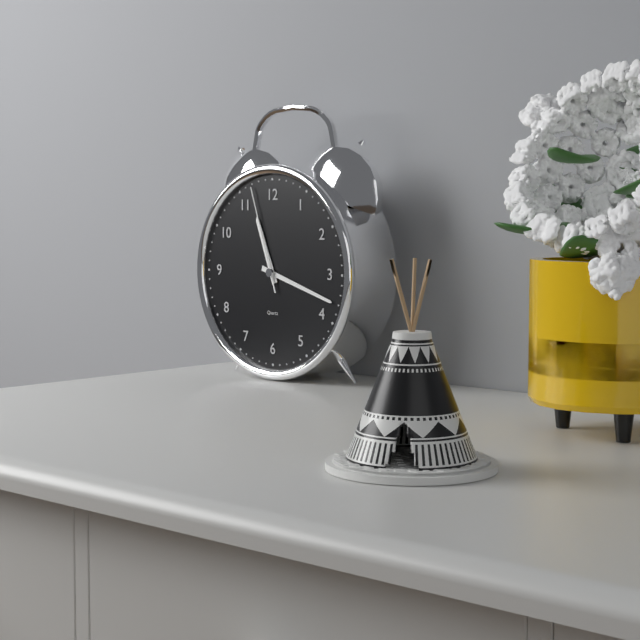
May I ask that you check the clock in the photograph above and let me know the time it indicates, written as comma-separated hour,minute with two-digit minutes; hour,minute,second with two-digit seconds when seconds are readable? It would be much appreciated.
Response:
11,18,57
